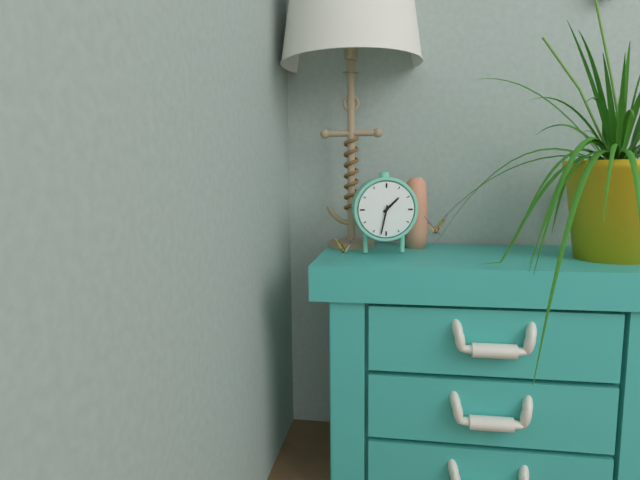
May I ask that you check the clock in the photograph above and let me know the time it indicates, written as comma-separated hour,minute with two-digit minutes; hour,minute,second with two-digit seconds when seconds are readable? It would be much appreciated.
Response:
1,32
